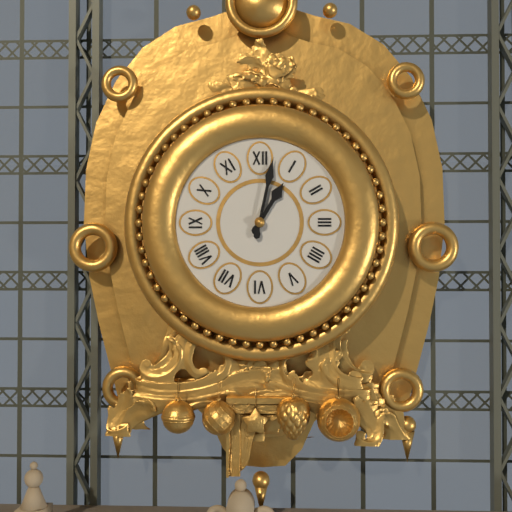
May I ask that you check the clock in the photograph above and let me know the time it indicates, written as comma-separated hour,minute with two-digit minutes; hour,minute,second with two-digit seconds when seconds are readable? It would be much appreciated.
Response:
1,02
